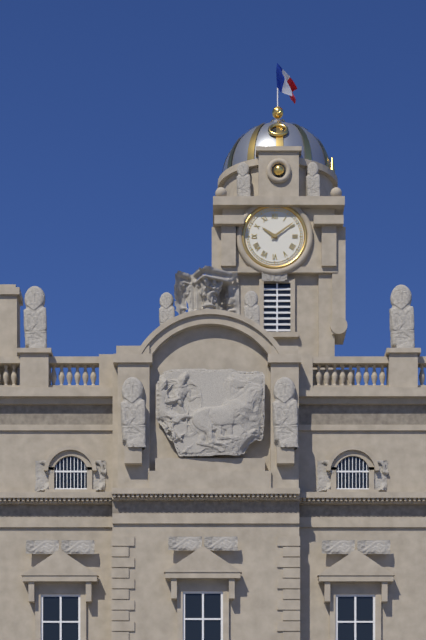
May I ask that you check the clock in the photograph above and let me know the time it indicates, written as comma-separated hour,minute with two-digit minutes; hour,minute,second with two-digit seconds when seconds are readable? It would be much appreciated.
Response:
10,09
